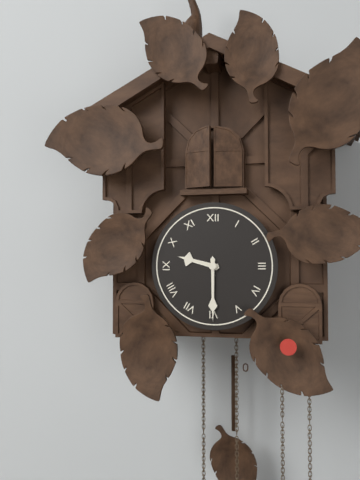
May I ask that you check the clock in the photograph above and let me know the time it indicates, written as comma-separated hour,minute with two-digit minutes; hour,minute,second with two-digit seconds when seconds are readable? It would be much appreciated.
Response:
9,30
